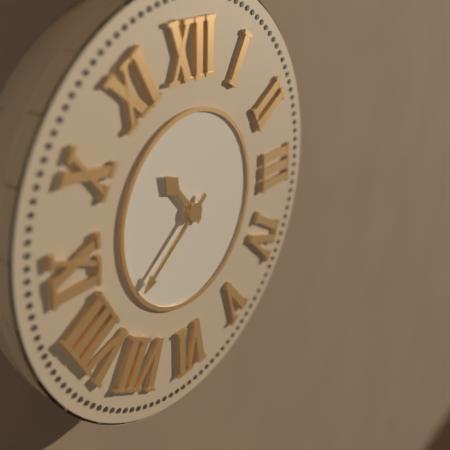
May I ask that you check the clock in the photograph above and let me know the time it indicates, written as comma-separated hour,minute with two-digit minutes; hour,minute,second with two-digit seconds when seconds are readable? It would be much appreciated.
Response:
10,39
